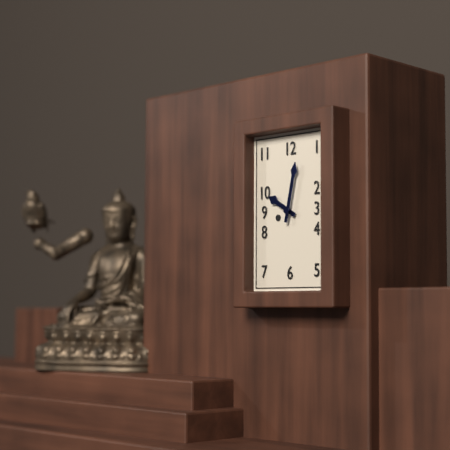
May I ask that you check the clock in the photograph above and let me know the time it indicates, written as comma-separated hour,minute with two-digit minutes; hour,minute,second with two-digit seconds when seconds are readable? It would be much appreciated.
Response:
10,02
